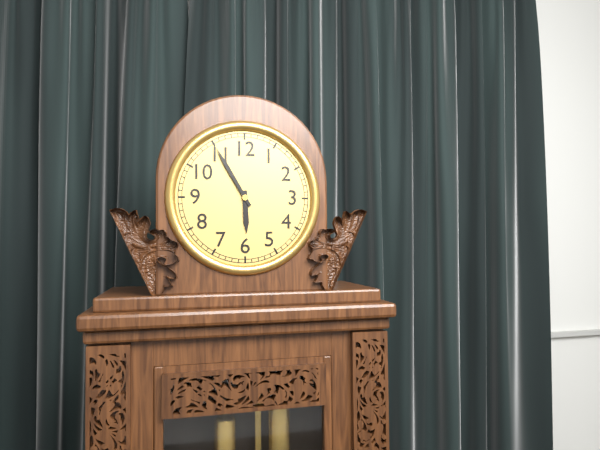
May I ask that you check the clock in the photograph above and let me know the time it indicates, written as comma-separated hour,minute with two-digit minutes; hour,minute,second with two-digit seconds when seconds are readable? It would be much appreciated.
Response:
5,55
